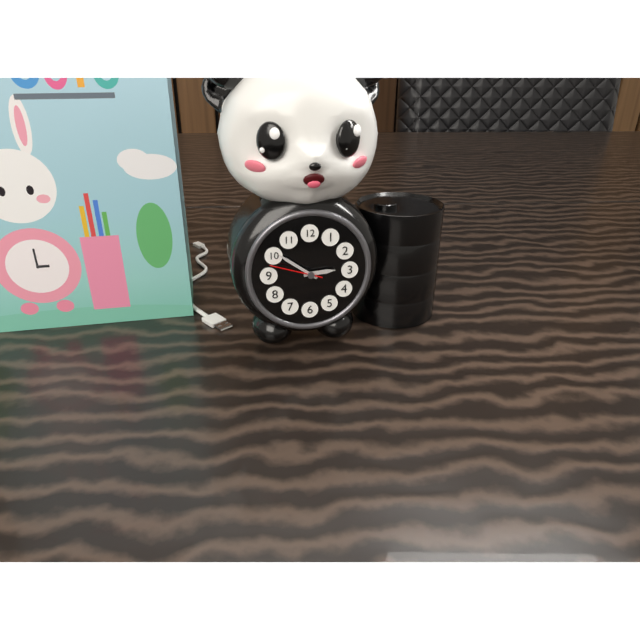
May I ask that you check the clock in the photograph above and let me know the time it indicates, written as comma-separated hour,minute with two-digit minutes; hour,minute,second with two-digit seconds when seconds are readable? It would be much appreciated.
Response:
2,51,48
